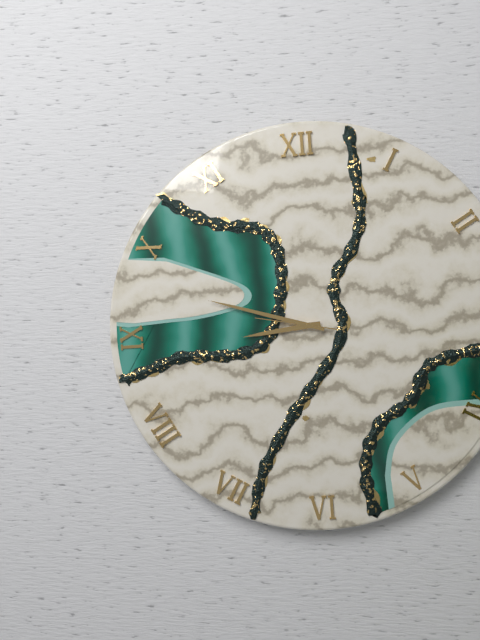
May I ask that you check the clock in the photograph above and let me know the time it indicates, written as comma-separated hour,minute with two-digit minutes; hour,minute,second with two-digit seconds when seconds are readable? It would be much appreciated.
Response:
8,48,47
